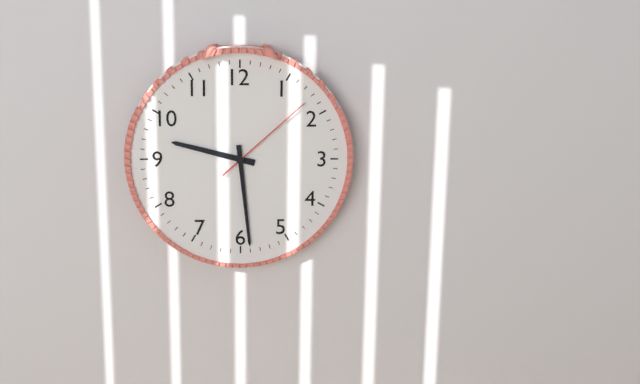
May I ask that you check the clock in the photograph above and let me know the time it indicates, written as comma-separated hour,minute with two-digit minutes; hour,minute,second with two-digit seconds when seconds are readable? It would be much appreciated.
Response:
9,29,08
